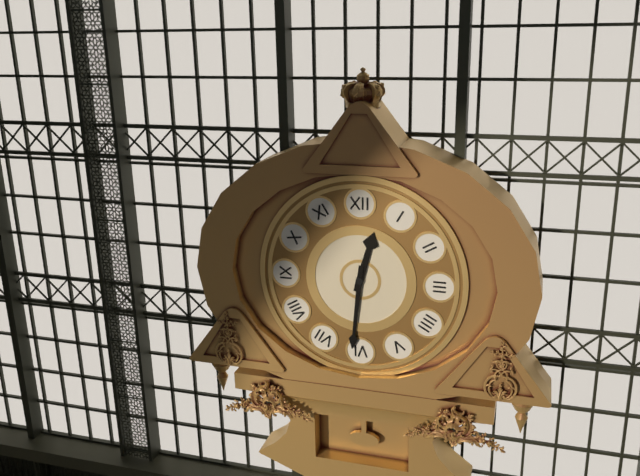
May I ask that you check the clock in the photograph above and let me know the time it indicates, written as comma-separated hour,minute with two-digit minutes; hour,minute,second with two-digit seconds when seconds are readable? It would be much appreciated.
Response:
12,31
